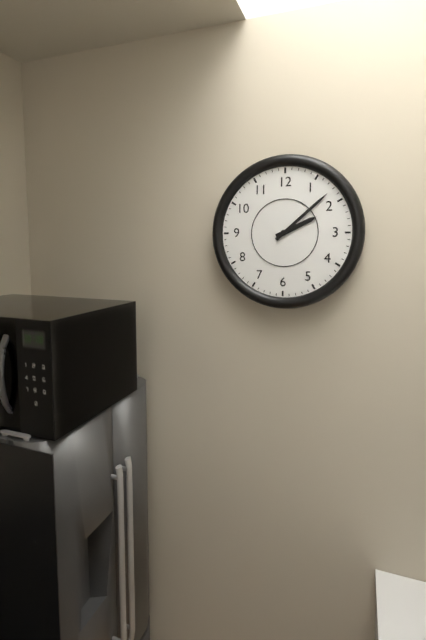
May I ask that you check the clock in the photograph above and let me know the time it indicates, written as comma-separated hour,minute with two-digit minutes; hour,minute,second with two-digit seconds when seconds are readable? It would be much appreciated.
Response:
2,08
